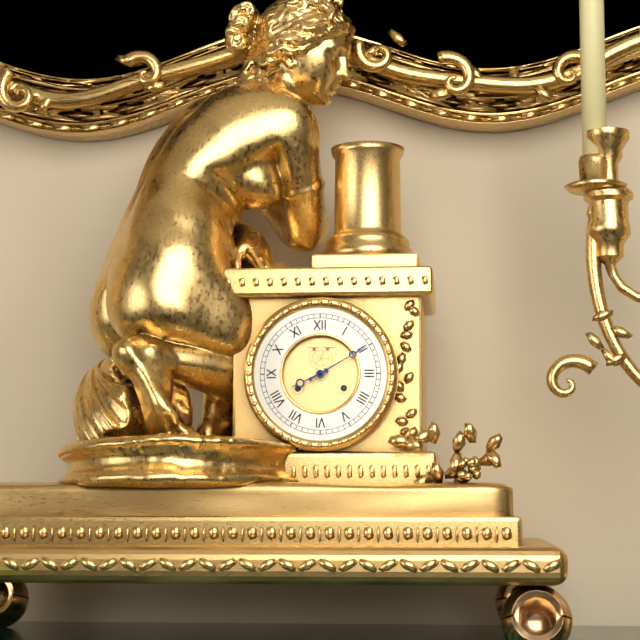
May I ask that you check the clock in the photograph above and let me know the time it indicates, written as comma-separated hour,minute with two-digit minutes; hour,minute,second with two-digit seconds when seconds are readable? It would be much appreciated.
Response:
8,10
